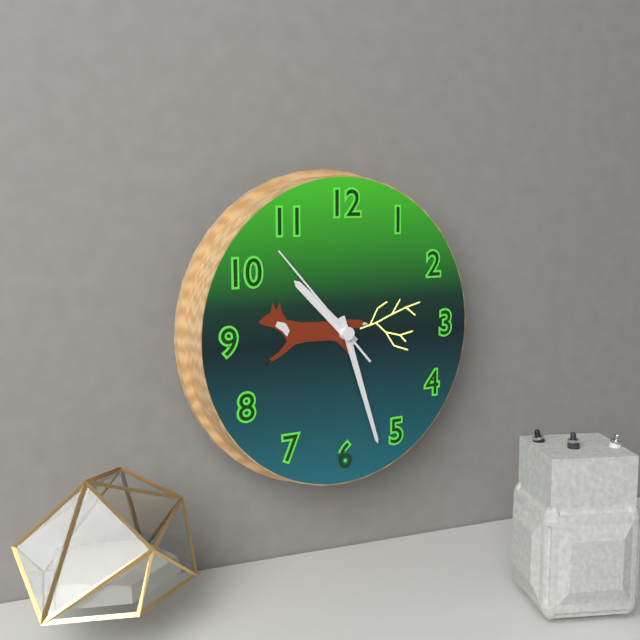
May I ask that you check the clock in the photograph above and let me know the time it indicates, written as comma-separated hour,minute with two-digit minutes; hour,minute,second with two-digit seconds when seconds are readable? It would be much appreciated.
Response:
10,27,53
